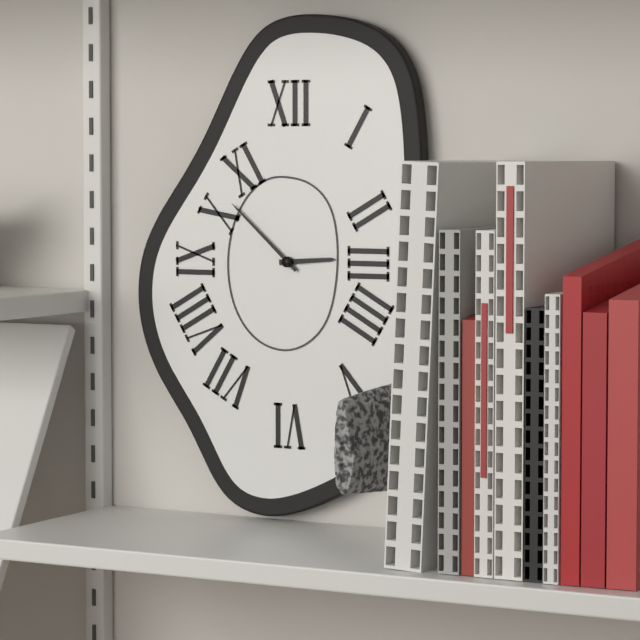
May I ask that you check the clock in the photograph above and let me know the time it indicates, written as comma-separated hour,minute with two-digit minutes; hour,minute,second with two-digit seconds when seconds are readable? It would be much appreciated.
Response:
2,52
